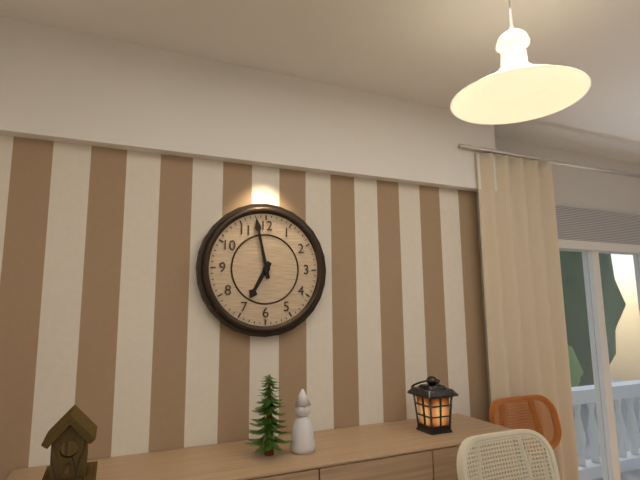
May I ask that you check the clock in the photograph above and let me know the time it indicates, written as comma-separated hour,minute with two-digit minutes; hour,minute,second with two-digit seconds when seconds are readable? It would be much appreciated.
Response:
6,58
